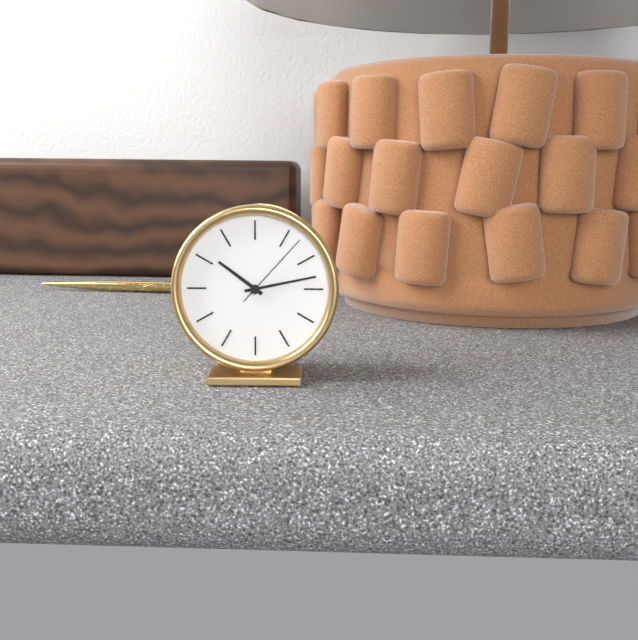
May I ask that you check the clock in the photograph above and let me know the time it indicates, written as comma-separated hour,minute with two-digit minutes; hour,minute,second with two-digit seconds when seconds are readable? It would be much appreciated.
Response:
10,13,07
